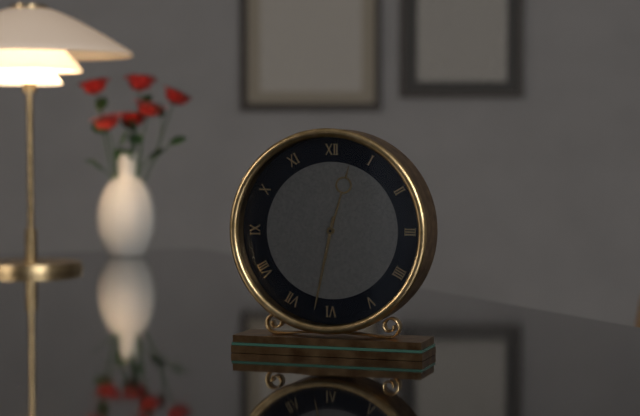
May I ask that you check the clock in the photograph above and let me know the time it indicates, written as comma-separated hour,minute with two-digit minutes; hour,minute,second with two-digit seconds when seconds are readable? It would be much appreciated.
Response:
12,32
